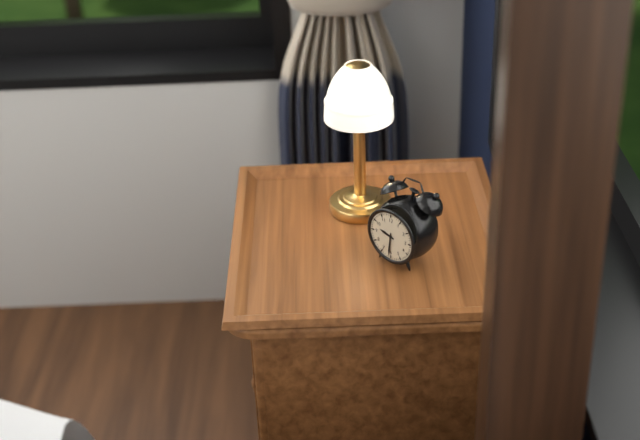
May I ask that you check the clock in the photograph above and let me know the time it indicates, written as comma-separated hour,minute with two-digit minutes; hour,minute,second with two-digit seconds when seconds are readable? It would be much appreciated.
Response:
9,31
